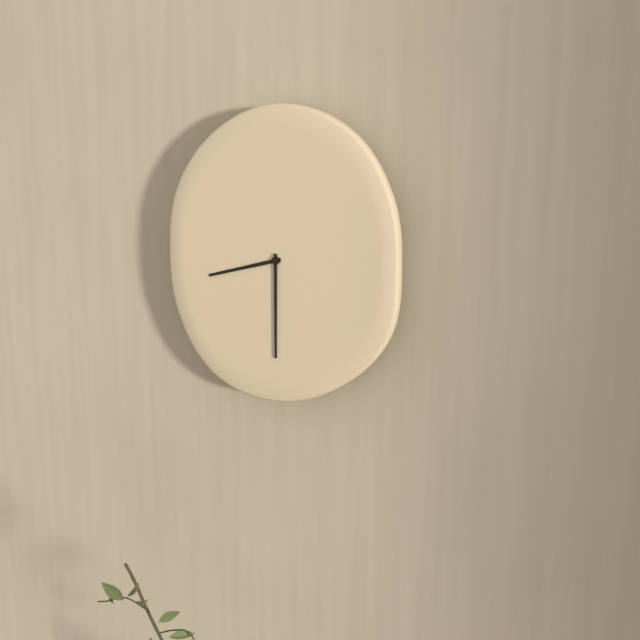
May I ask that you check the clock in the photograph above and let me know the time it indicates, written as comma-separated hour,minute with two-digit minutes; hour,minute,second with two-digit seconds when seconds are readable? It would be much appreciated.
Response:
8,30
